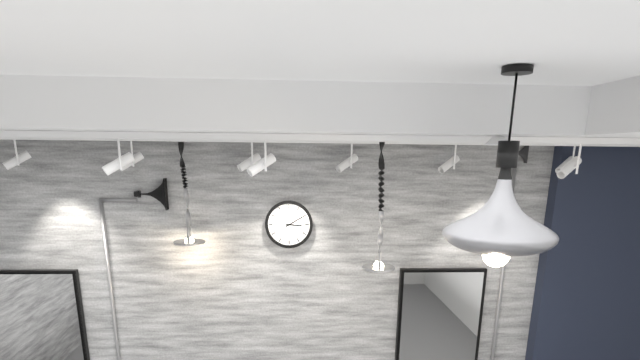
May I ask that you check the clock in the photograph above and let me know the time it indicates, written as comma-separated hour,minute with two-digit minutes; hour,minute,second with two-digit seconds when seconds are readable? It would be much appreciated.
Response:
3,10
